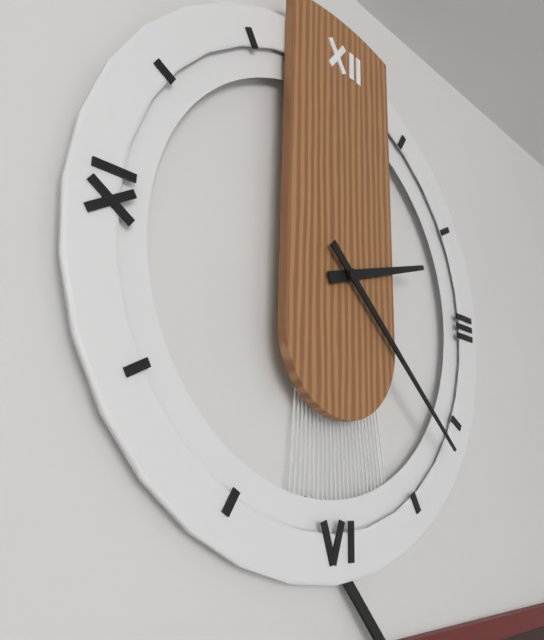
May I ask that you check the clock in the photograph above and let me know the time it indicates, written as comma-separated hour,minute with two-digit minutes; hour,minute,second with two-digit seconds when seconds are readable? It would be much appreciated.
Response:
2,22
